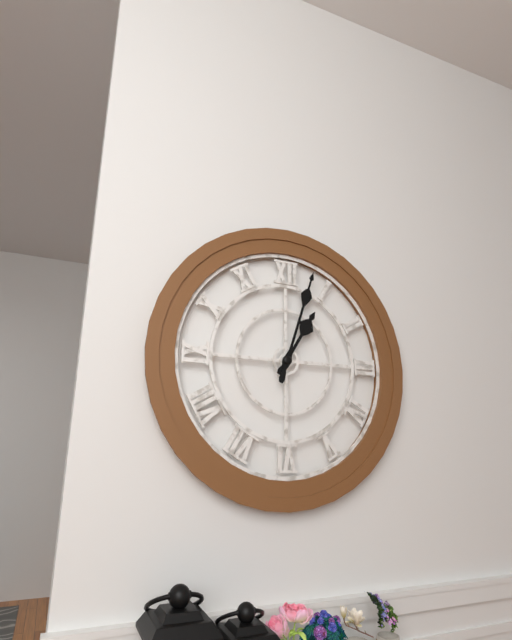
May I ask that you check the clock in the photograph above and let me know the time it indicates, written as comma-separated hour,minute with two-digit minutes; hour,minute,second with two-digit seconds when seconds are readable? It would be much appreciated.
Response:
1,03
